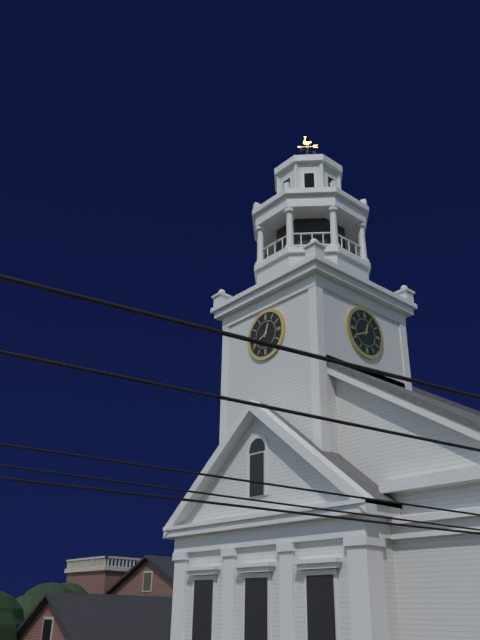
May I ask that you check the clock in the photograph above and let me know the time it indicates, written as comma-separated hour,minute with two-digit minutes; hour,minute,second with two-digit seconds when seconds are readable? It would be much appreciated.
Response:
12,41
